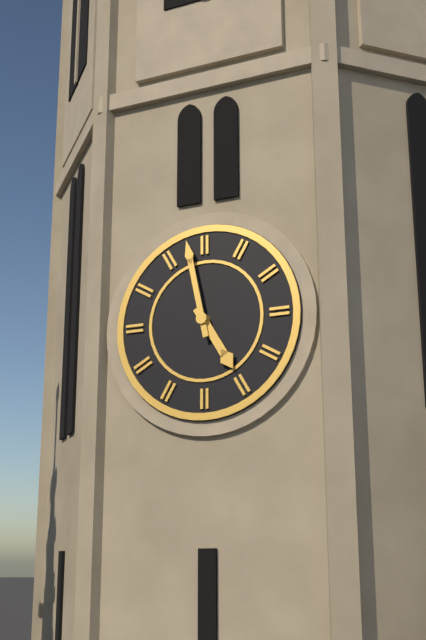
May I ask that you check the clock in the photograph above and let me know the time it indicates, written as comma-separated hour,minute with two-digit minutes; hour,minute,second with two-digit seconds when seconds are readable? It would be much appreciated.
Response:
4,58
